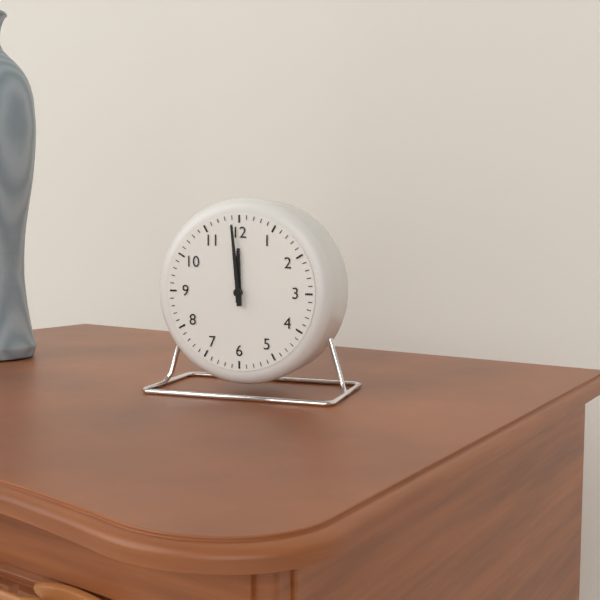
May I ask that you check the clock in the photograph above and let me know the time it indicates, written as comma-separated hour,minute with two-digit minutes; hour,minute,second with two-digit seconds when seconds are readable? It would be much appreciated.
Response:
11,59
